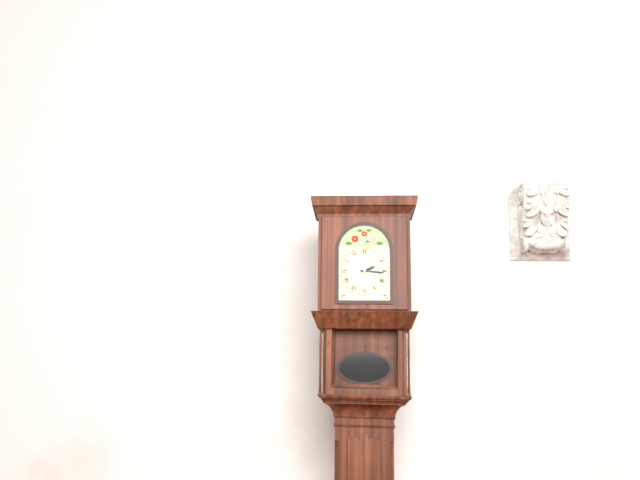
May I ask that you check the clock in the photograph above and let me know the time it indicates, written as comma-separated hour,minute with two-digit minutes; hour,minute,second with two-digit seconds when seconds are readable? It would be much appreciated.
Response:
2,16
